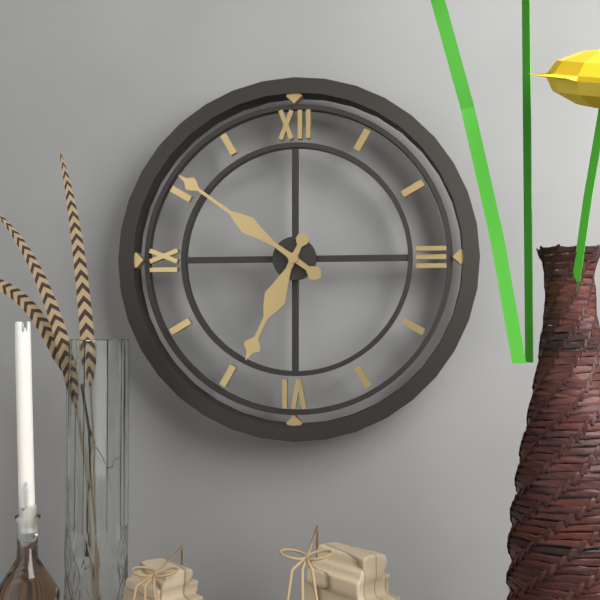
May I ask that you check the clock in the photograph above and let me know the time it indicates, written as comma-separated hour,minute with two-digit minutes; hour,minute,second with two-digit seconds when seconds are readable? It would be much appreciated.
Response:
6,51
